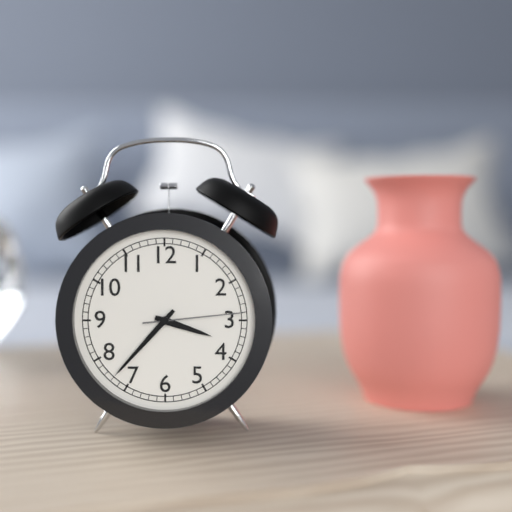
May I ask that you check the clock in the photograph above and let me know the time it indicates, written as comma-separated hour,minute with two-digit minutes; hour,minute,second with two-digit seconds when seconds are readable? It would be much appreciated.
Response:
3,37,14
